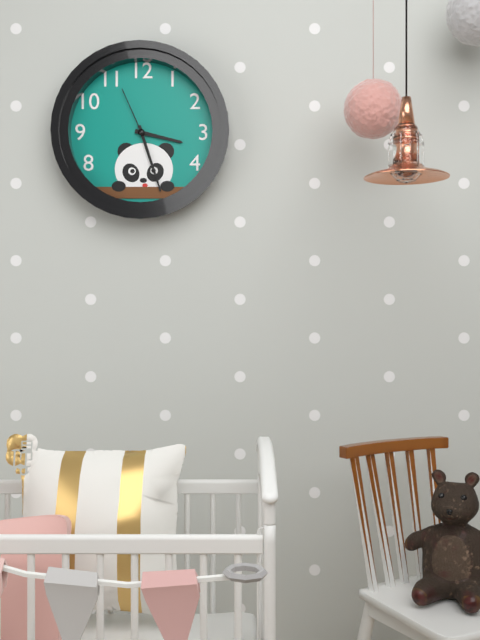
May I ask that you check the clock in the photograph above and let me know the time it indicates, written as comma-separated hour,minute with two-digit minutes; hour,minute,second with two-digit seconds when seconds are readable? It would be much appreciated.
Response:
3,27,56
